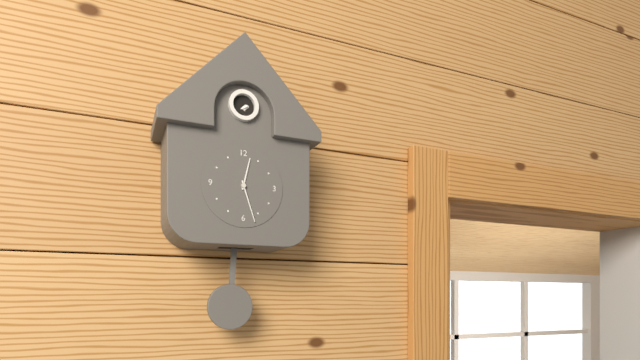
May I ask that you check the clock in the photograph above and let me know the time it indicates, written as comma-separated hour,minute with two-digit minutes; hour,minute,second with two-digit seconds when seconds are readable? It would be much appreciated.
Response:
12,27
